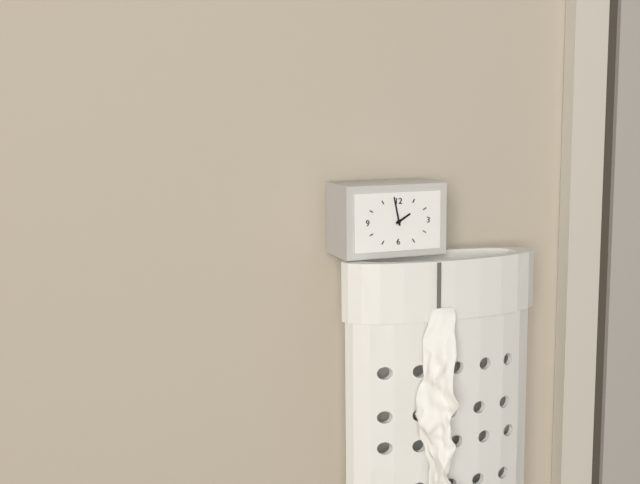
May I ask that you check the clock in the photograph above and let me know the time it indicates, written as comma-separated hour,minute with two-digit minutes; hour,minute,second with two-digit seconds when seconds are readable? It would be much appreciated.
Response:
1,58
